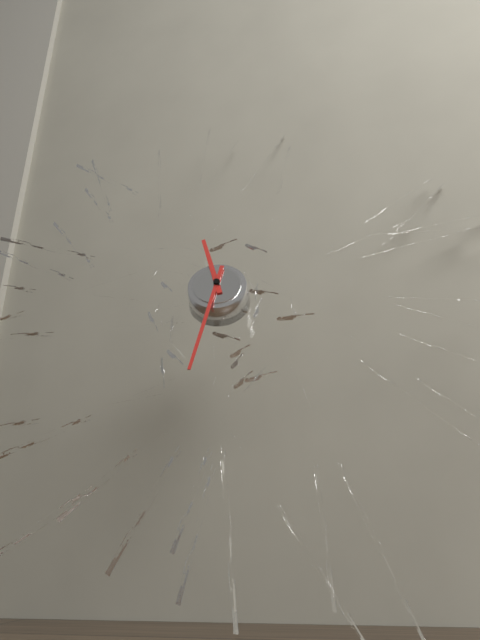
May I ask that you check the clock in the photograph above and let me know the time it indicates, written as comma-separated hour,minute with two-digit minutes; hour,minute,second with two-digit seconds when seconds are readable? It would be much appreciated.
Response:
11,32
